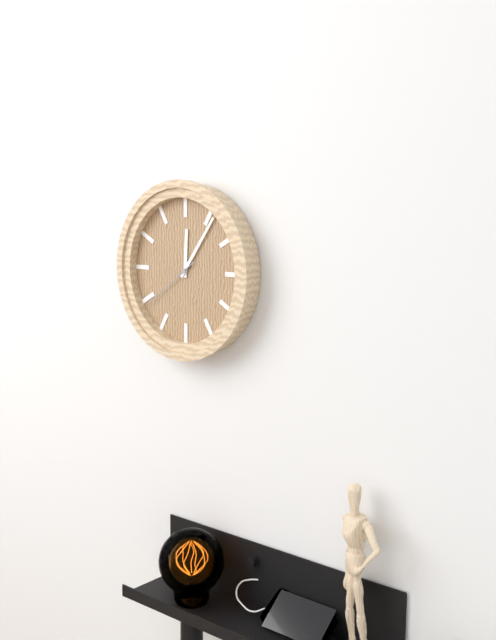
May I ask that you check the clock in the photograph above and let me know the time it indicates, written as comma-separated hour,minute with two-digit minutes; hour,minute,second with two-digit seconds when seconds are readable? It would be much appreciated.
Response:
12,06,39
